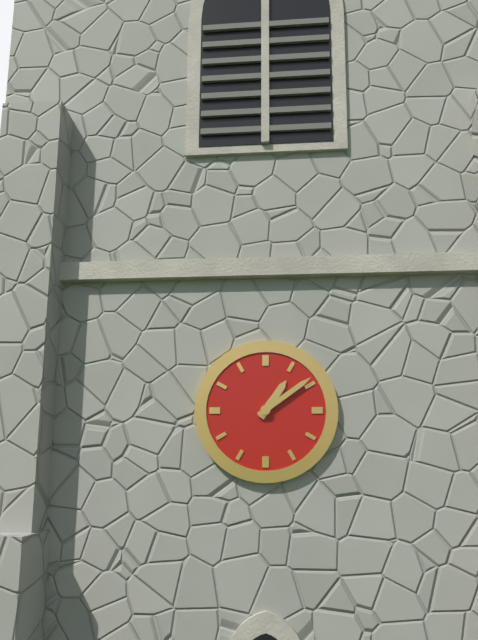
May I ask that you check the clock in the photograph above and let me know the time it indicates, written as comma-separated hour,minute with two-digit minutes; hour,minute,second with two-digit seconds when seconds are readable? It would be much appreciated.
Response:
1,09
